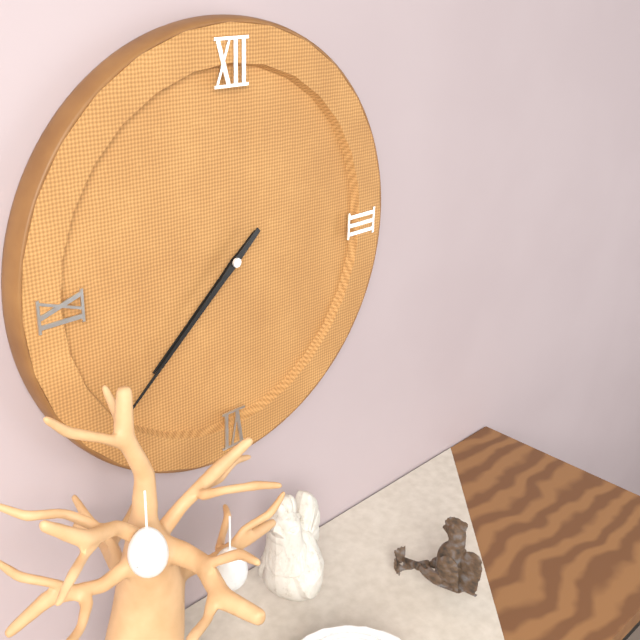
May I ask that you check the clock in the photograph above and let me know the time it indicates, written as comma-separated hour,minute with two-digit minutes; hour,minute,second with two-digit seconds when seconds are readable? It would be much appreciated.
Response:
7,38
